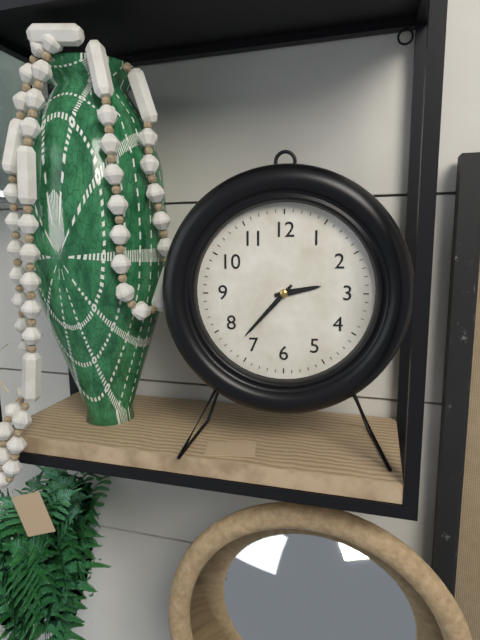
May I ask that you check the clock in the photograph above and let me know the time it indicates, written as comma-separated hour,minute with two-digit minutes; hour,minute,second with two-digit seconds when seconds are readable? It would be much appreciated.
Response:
2,37
